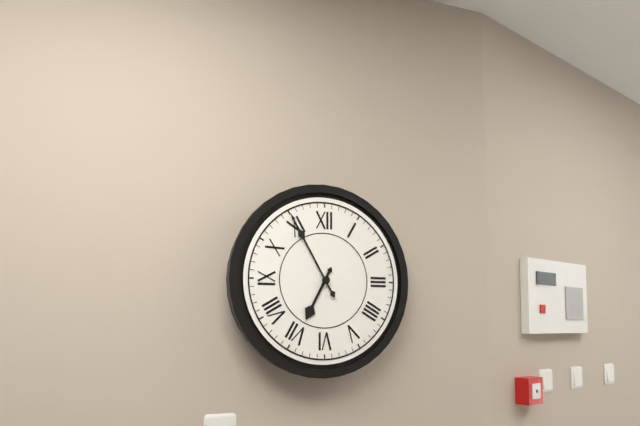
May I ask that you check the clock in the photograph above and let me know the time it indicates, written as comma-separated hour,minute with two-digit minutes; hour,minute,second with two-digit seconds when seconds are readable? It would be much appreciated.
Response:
6,55
